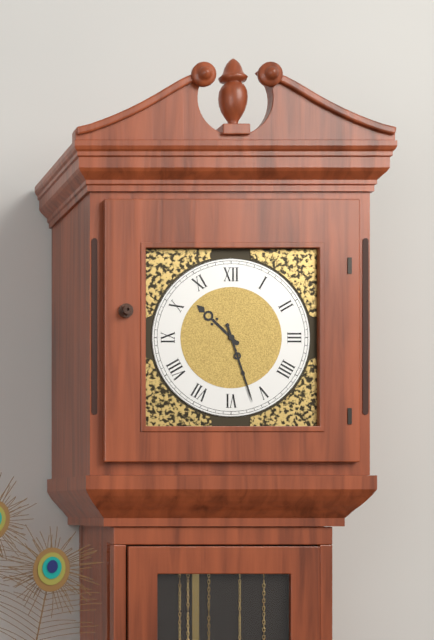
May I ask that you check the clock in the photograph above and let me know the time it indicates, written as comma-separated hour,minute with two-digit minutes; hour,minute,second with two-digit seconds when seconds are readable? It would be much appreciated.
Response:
10,27
